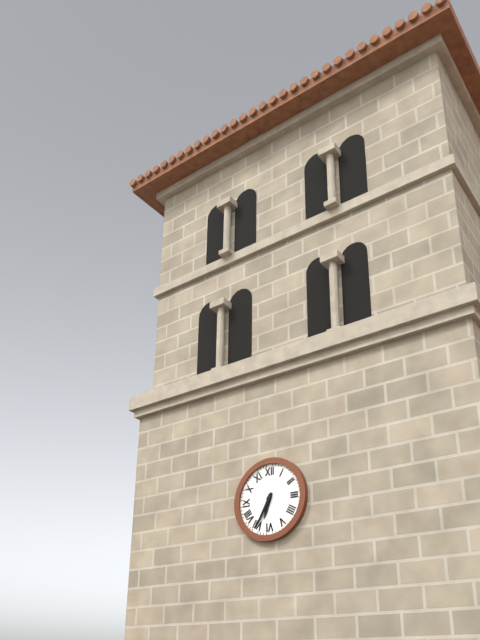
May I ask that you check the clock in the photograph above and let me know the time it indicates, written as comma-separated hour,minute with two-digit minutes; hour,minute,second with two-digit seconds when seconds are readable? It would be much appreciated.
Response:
6,35
